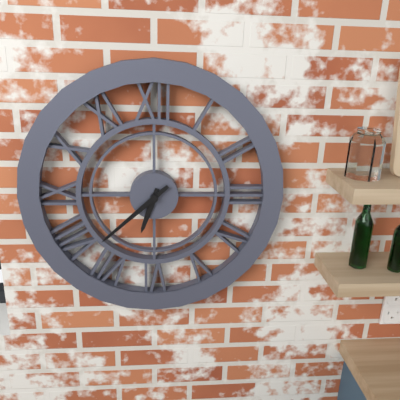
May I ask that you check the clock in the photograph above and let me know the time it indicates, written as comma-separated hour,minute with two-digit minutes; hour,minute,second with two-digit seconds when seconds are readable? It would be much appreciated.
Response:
6,38
